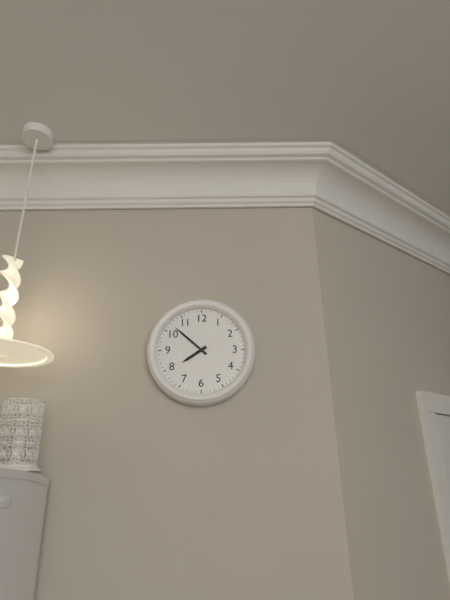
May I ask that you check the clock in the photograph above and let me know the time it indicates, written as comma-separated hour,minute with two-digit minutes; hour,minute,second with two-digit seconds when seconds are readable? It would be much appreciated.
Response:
7,52
